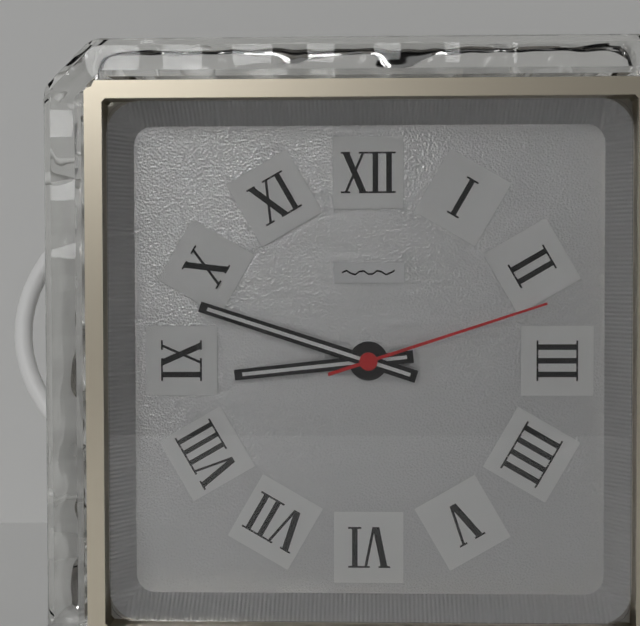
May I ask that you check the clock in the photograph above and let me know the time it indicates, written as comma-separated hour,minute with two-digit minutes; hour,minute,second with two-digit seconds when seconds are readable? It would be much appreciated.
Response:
8,48,12
